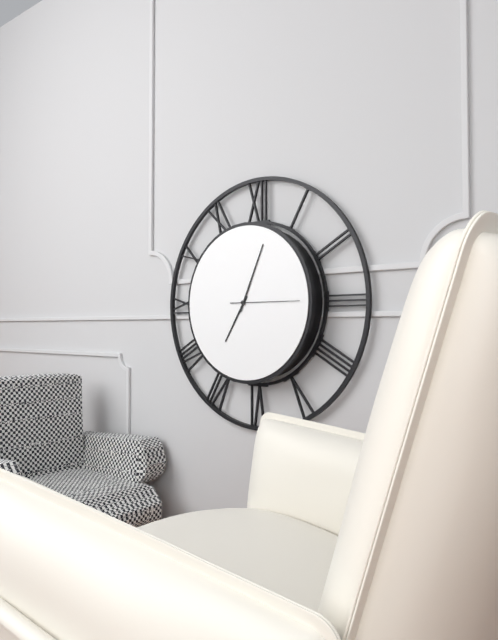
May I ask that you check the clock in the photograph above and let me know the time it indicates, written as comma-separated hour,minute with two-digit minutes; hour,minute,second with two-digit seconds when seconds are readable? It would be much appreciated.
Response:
7,04,15
